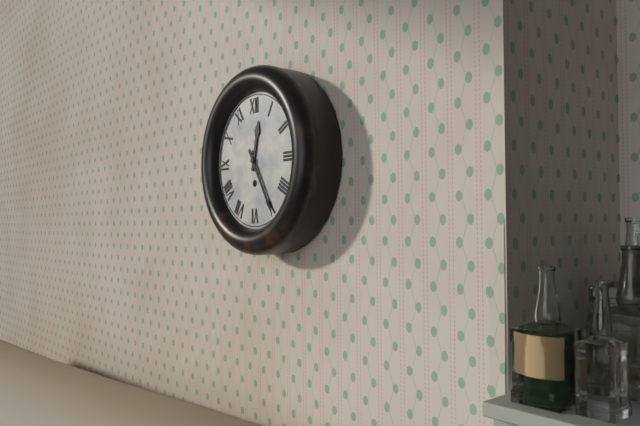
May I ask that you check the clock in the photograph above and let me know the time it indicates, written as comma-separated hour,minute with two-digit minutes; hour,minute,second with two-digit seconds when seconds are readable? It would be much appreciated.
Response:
12,25
